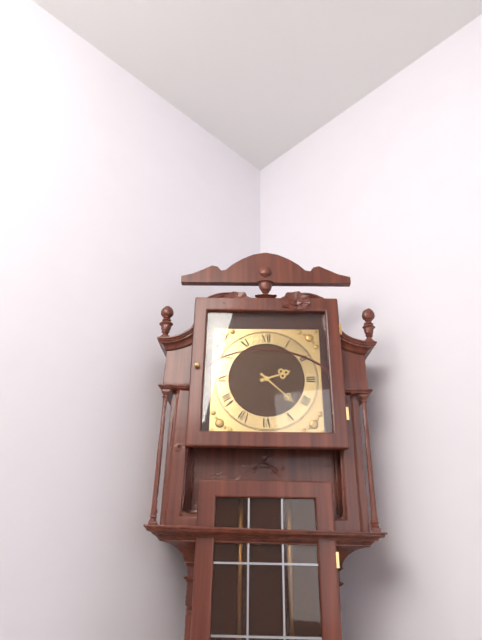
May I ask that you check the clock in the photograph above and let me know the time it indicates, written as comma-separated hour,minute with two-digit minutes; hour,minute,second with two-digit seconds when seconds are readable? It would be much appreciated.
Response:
2,22
